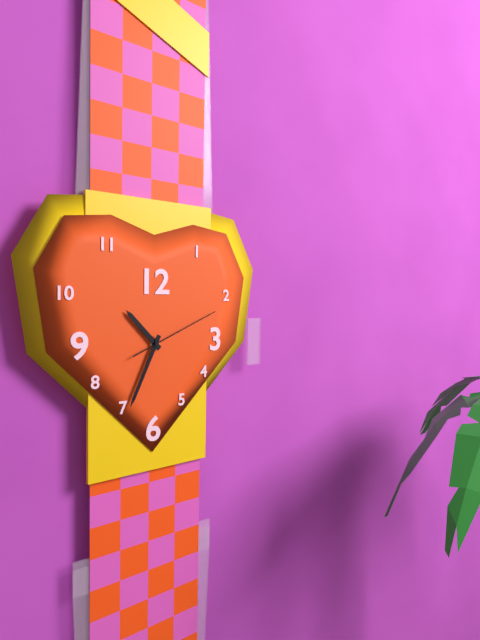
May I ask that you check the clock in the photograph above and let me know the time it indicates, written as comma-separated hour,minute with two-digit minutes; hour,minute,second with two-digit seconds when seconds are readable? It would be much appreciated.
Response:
10,34,11
